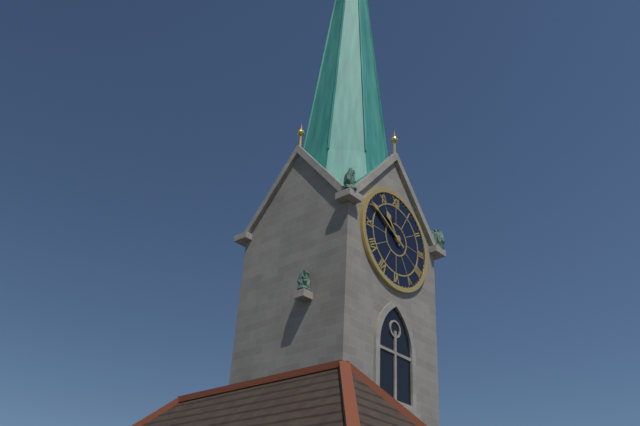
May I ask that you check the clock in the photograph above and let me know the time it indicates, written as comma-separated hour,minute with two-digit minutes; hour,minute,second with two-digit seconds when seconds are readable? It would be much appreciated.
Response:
10,50
